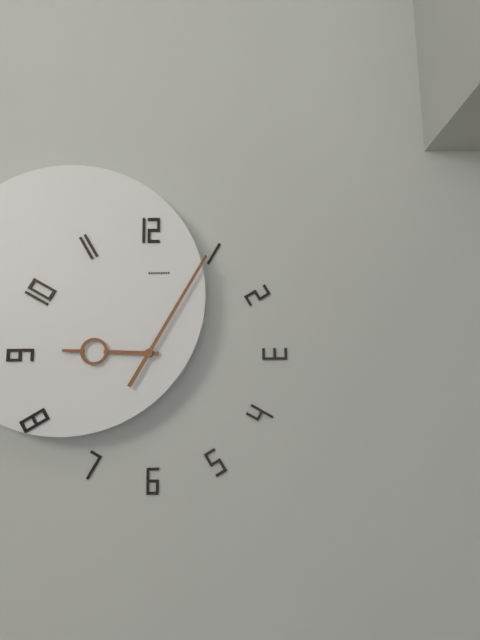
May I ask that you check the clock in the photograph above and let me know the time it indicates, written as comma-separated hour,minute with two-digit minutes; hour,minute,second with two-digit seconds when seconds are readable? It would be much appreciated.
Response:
9,05
